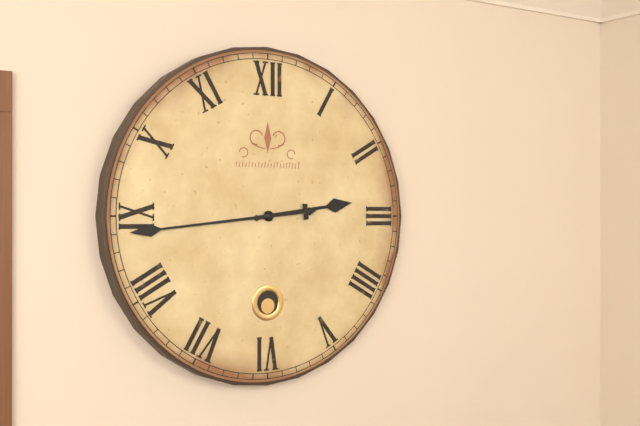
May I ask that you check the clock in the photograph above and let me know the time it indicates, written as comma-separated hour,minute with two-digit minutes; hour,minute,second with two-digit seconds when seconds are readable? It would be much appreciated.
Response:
2,44
